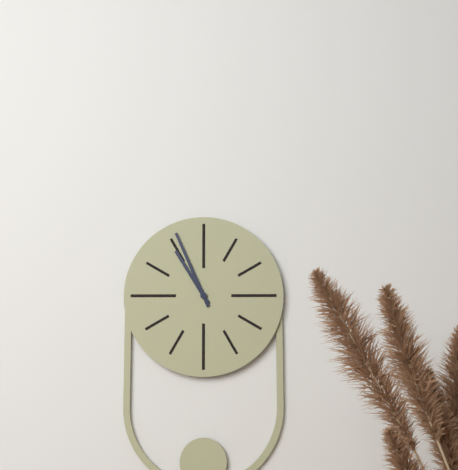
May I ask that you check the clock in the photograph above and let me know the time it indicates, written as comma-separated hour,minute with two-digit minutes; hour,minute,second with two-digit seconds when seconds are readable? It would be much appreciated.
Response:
10,56
